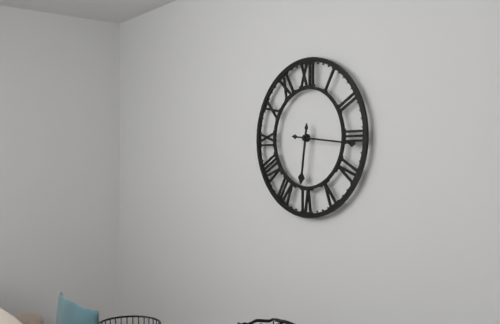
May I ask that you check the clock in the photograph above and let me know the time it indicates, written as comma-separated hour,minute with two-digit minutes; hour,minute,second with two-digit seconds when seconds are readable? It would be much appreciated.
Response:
6,16
